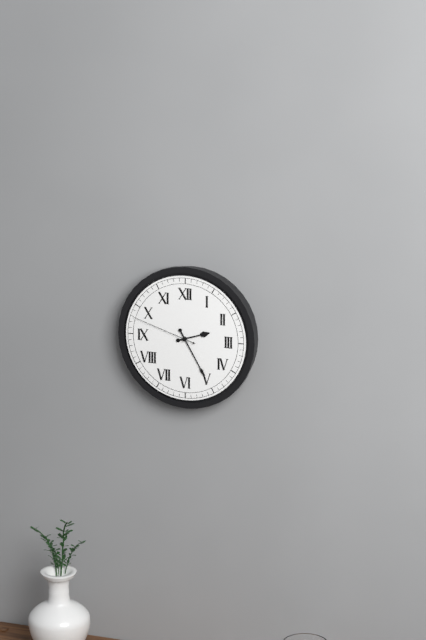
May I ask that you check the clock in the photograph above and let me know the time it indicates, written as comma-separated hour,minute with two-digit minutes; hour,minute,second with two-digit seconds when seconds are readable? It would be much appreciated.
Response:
2,25,48
